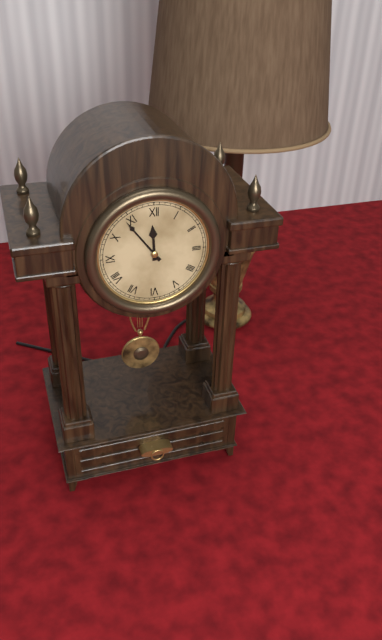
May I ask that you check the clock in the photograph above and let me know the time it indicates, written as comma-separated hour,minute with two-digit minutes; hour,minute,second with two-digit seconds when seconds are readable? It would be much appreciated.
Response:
11,54
